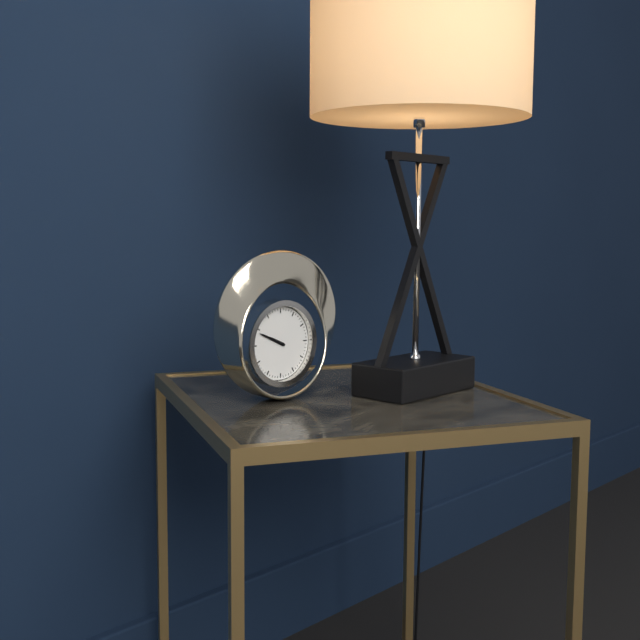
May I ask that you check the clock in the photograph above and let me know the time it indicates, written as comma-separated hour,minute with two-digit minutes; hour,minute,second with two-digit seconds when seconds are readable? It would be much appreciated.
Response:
9,49
